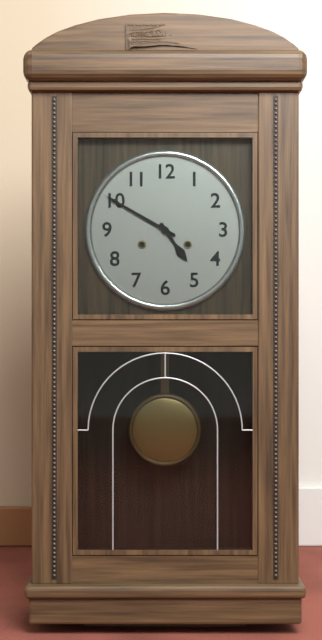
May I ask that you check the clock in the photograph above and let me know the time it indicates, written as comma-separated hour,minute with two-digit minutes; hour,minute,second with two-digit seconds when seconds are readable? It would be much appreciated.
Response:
4,50
